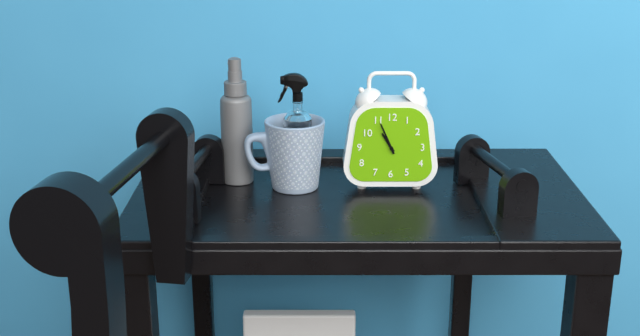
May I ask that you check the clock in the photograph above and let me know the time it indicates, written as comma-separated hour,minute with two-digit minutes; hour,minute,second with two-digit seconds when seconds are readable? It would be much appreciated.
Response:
10,56
